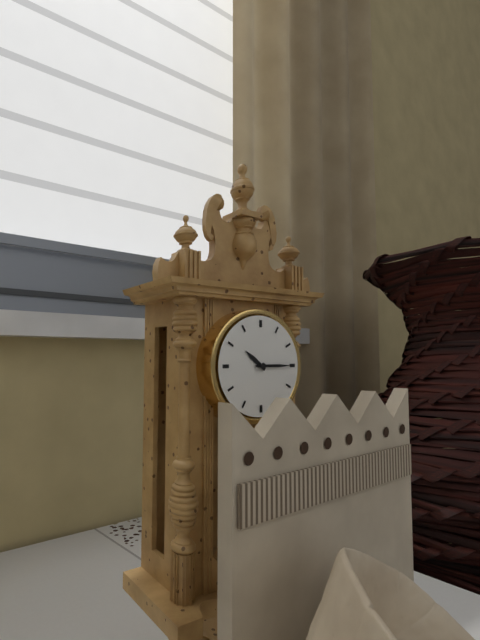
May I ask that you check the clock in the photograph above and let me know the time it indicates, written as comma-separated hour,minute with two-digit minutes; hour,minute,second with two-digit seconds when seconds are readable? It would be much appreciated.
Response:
10,15
